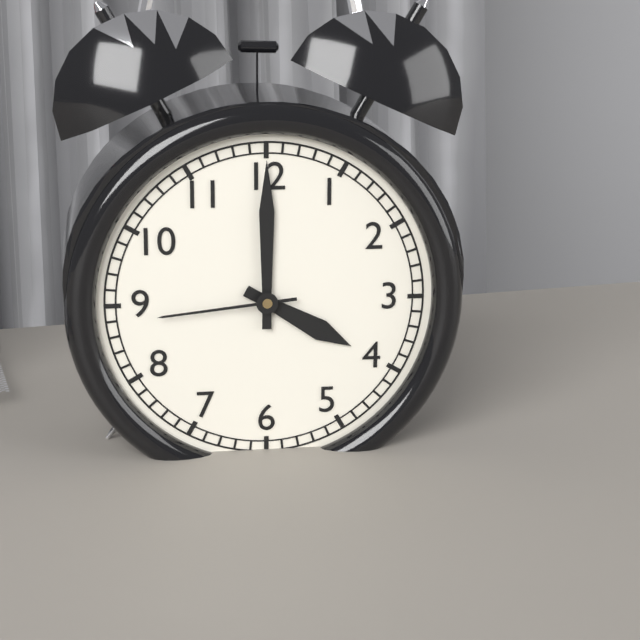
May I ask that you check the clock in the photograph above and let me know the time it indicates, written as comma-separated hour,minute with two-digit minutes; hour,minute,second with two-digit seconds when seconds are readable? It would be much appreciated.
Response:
4,00,44
